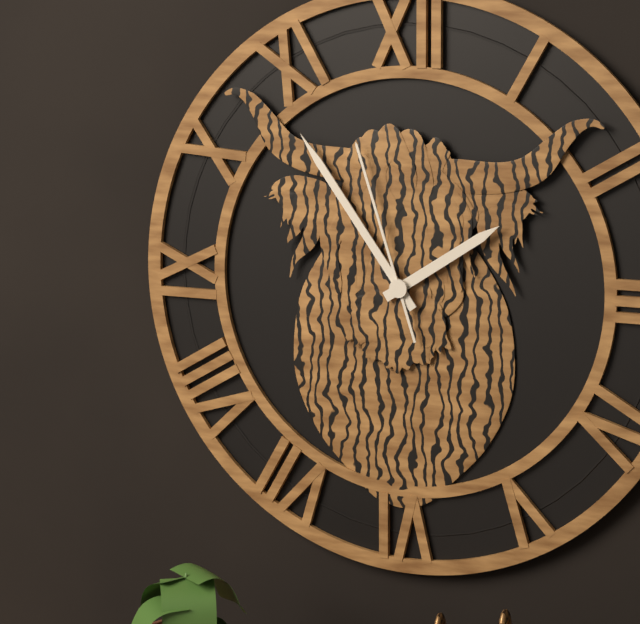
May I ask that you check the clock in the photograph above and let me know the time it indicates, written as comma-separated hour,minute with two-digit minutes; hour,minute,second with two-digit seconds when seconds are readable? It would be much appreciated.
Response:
1,54,57
